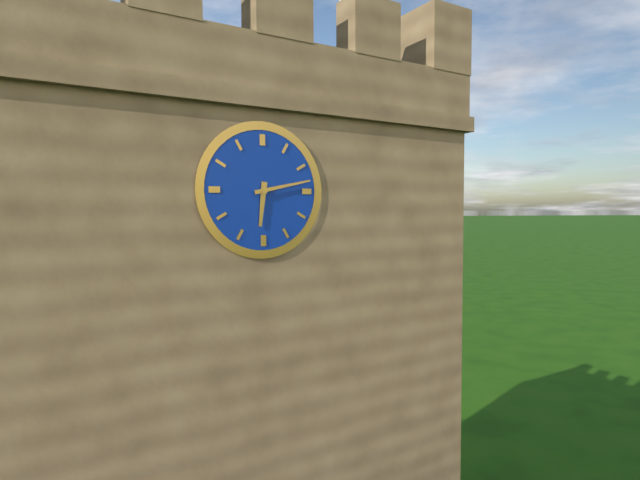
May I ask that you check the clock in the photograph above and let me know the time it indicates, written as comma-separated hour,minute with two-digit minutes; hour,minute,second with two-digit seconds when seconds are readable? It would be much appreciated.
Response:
6,13
